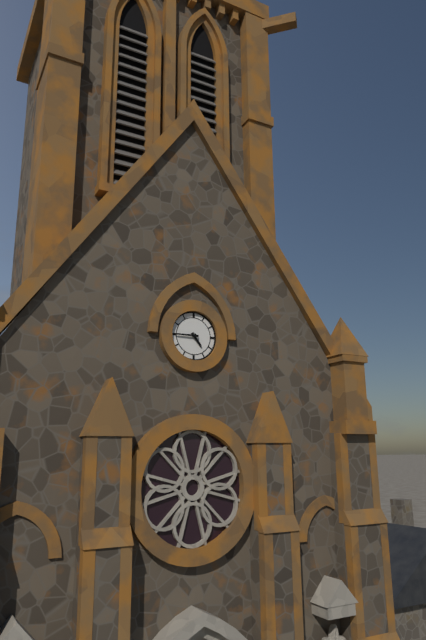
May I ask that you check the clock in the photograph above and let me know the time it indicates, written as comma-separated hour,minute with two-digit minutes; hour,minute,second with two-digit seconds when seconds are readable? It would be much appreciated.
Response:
4,45
